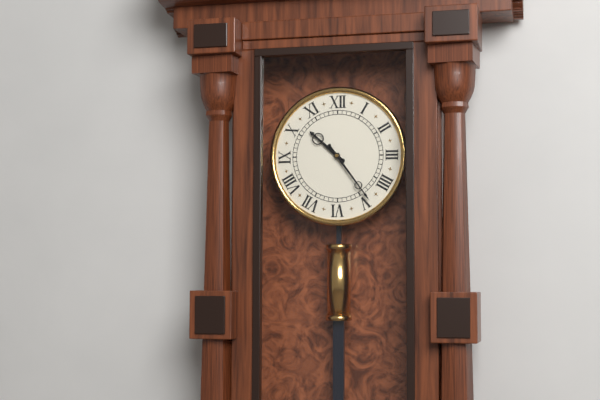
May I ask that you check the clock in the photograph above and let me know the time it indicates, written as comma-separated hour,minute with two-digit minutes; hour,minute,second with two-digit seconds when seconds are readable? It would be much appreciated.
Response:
10,24
